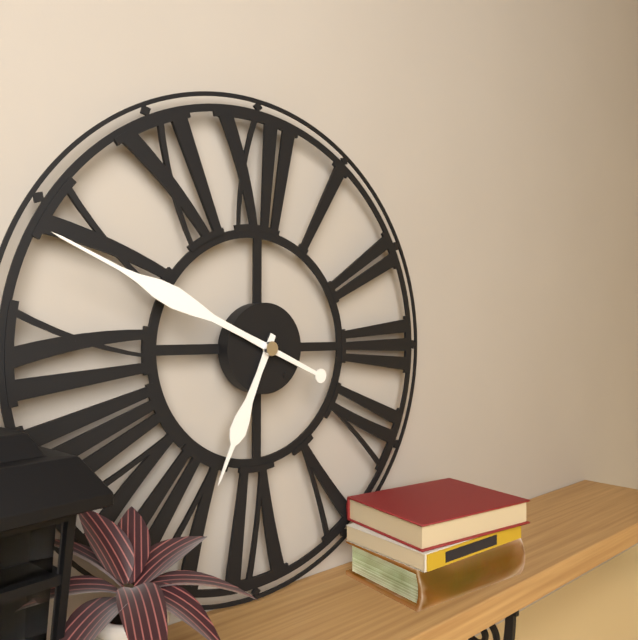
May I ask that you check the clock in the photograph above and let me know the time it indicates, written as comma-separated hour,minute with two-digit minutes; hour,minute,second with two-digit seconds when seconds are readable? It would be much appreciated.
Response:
6,49
